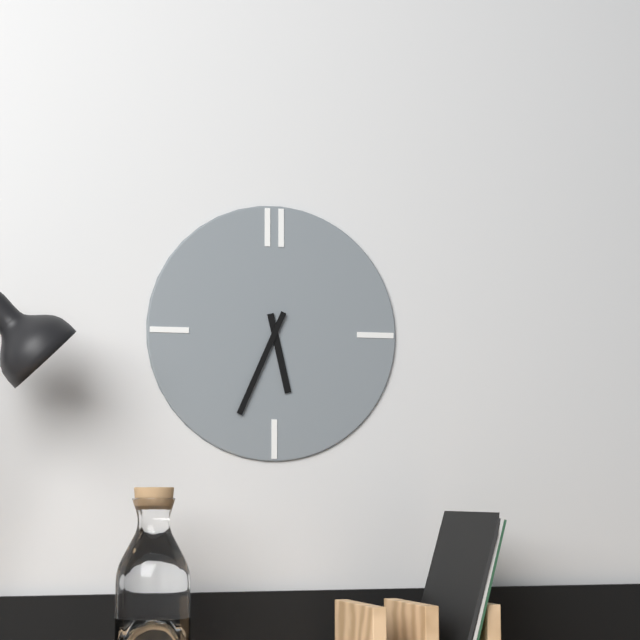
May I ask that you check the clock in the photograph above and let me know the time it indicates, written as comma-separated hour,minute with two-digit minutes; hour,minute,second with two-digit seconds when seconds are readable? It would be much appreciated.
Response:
5,34
